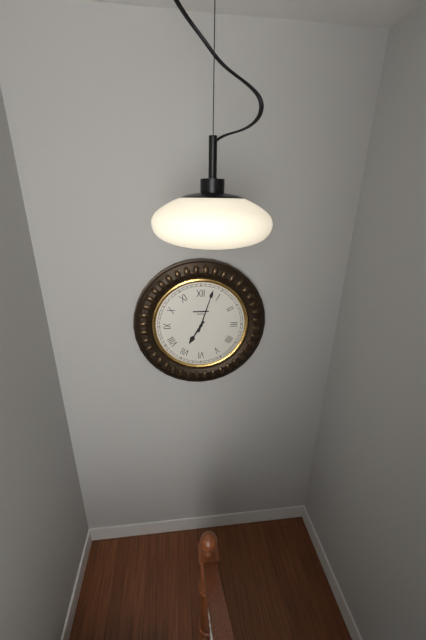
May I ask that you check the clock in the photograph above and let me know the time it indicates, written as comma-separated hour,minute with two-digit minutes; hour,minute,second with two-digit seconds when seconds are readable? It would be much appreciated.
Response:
7,03
